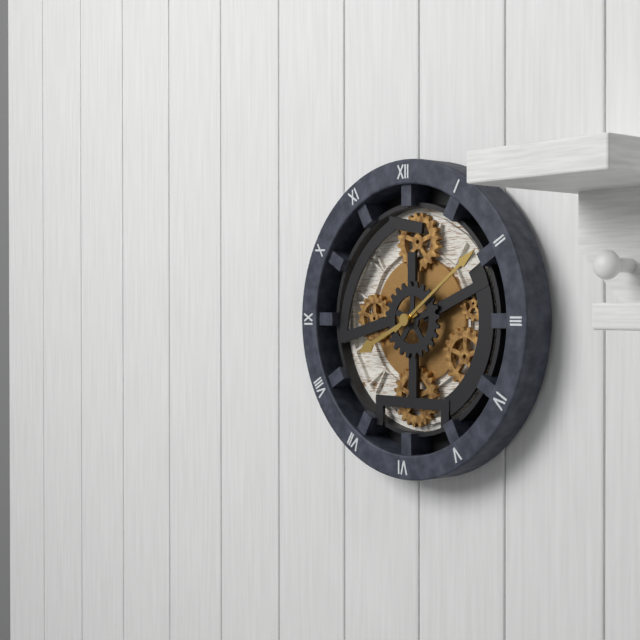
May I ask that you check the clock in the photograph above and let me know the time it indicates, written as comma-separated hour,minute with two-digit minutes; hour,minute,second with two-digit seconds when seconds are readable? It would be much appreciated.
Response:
8,09
